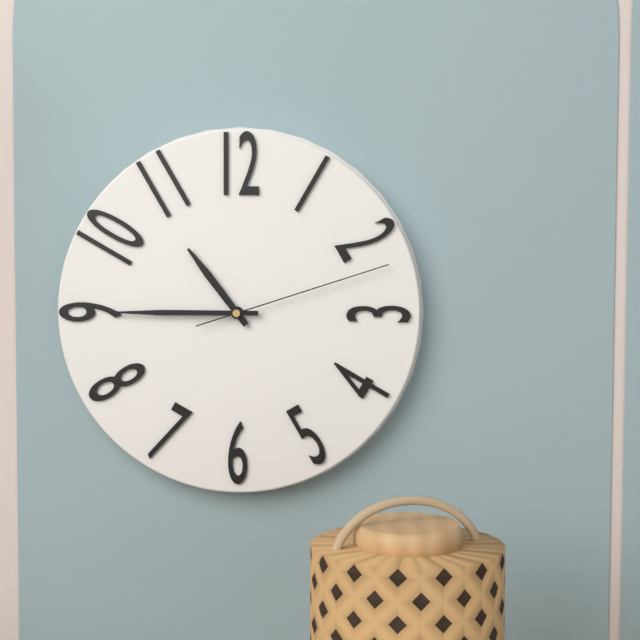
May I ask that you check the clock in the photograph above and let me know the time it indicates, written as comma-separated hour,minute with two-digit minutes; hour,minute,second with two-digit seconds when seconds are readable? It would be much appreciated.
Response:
10,45,12
